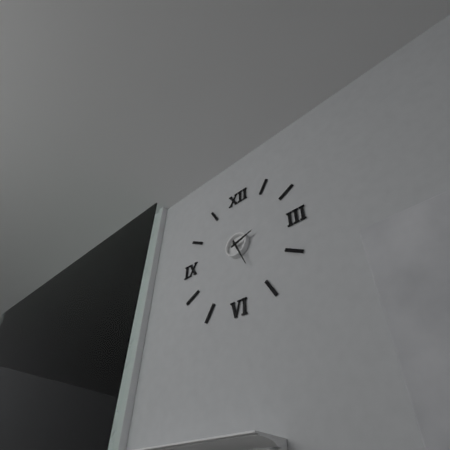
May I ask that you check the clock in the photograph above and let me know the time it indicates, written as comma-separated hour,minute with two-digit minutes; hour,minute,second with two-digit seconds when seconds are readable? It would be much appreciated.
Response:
2,26
